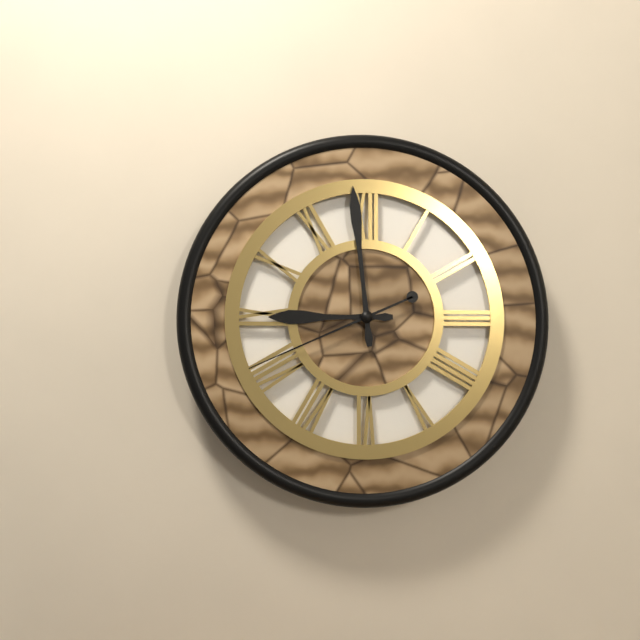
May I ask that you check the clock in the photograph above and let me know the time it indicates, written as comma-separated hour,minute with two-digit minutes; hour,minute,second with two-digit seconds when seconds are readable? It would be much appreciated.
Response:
8,59,41
